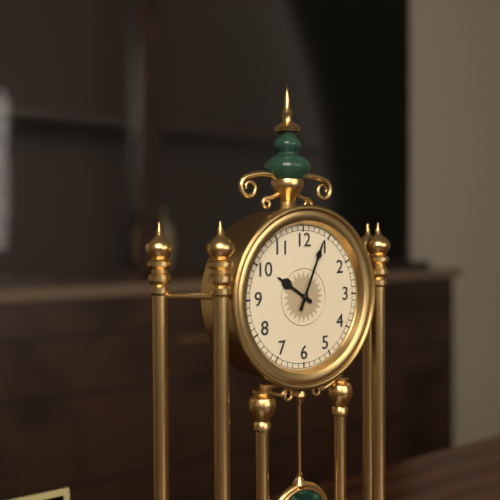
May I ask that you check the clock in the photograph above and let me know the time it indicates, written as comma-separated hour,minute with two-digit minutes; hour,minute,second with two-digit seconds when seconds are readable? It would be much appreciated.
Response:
10,04
